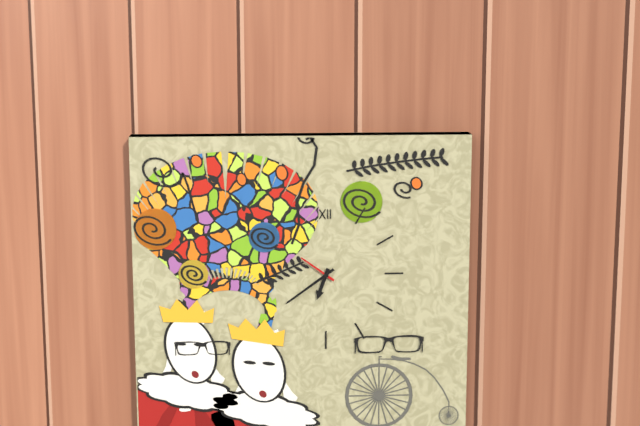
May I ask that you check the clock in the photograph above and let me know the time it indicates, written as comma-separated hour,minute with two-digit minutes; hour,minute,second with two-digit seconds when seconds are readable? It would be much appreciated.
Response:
6,39
